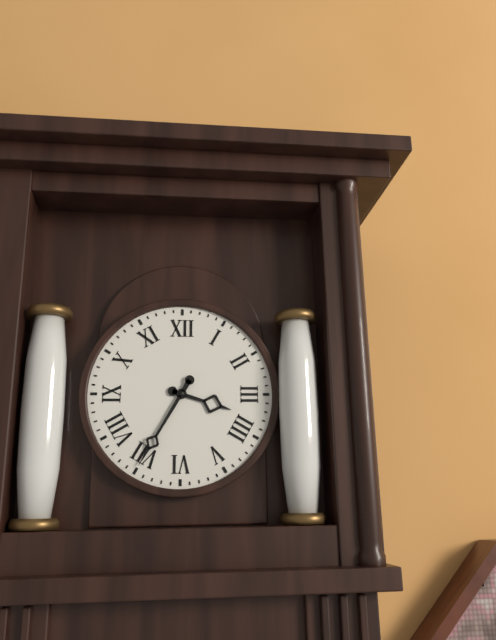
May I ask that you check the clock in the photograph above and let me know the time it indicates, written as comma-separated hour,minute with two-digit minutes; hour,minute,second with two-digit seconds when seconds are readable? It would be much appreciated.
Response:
3,35
